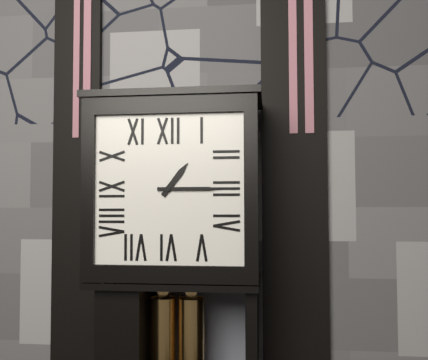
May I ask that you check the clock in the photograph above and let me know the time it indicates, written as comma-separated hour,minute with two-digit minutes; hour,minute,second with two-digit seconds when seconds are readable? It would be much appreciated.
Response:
1,15
